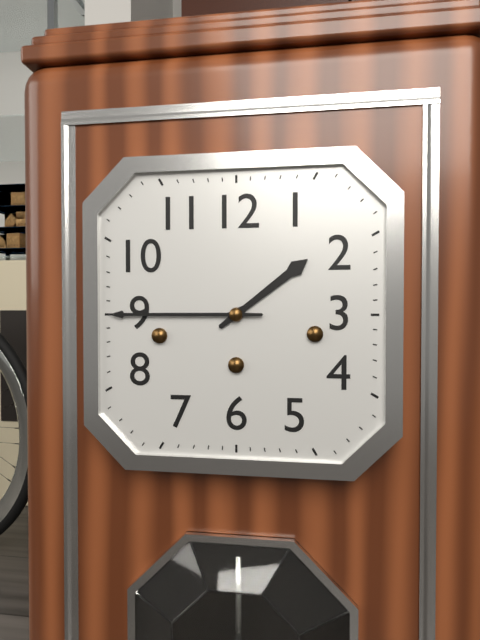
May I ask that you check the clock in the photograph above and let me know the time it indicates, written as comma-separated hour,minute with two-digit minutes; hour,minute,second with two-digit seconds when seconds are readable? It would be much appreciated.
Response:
1,45
